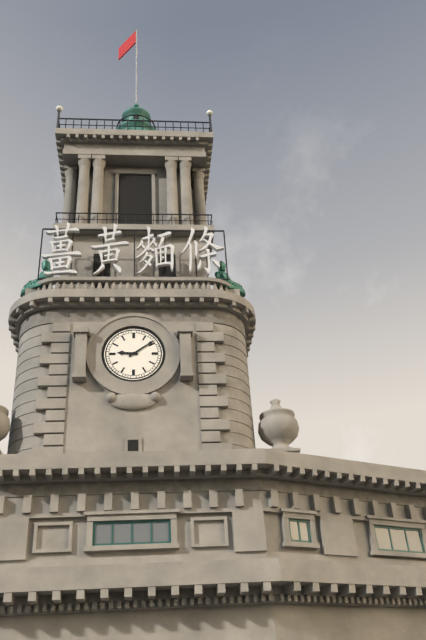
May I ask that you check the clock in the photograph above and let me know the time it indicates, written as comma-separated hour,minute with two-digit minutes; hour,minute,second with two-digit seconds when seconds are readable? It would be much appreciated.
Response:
9,09
